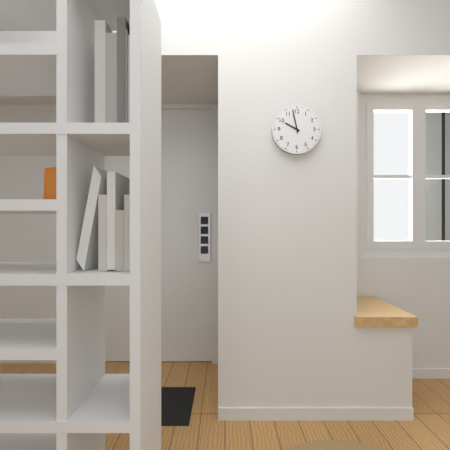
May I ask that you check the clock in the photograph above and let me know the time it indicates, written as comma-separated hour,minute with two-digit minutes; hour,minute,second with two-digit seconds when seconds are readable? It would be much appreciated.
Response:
9,58
